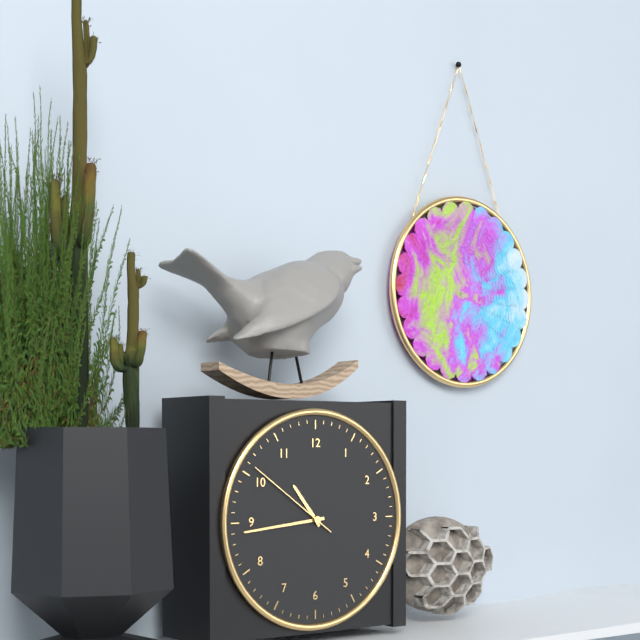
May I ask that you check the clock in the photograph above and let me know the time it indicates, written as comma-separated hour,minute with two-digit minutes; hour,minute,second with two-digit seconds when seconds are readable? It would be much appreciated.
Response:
10,44,51
